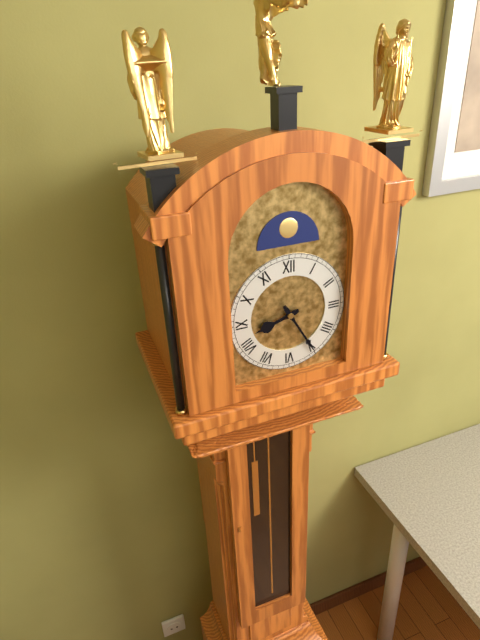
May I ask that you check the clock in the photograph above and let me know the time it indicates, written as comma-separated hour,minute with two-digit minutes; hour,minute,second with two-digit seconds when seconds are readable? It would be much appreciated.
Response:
8,25
